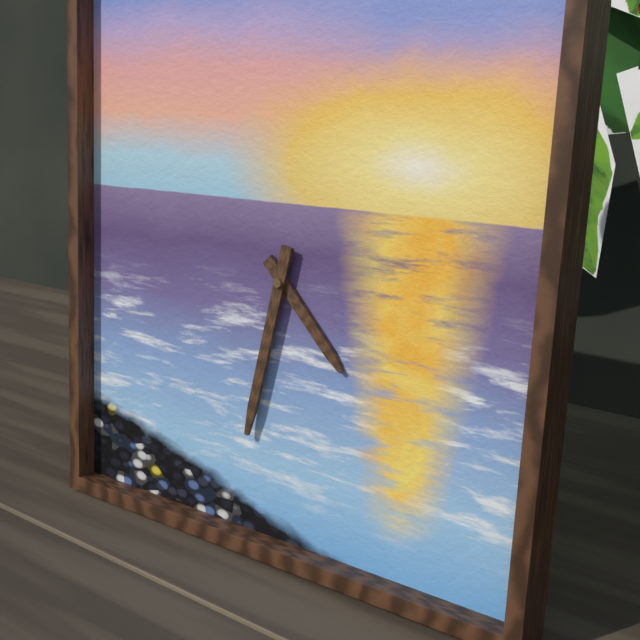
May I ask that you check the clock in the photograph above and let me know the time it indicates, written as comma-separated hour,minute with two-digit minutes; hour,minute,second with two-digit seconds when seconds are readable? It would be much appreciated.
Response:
4,32
